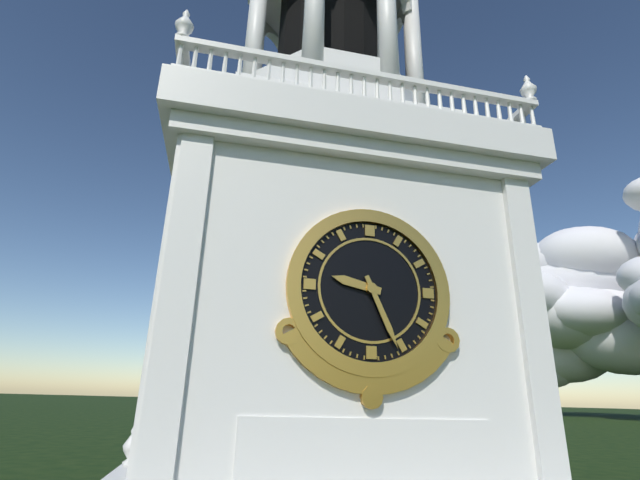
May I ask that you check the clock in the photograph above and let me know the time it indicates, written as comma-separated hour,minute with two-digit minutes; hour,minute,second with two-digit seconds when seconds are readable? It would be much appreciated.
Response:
9,26
